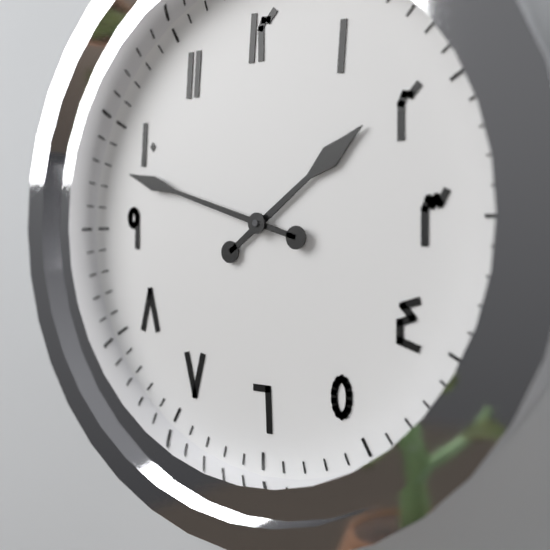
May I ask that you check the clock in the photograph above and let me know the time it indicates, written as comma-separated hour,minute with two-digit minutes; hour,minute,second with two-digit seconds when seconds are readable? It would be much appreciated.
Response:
1,48
